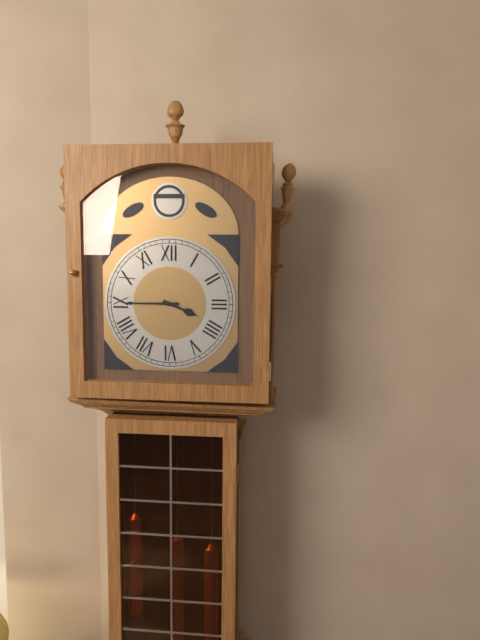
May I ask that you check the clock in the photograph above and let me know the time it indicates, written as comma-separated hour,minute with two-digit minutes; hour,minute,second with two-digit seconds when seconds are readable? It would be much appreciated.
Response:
3,45
